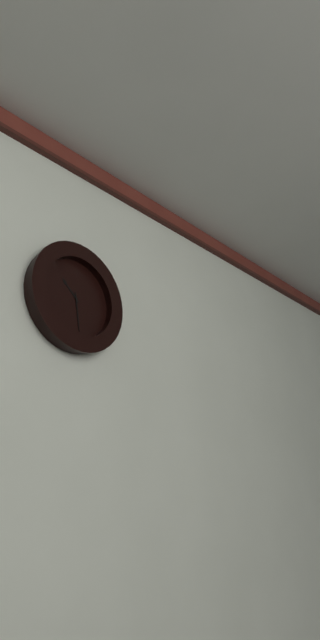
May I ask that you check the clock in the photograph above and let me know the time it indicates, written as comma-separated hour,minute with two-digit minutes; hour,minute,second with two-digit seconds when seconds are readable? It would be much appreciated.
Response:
10,29
